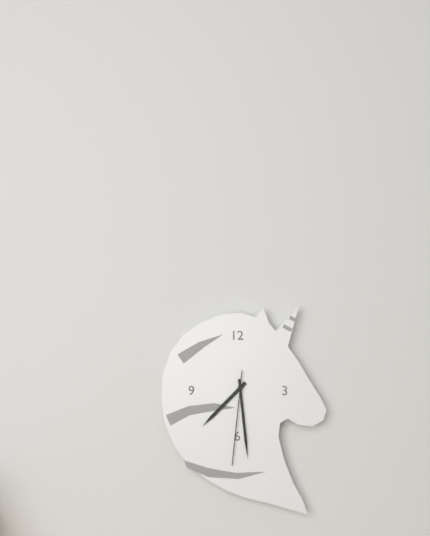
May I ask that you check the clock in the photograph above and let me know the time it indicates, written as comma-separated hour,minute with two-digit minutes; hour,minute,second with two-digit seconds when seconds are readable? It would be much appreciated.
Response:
7,29,31
